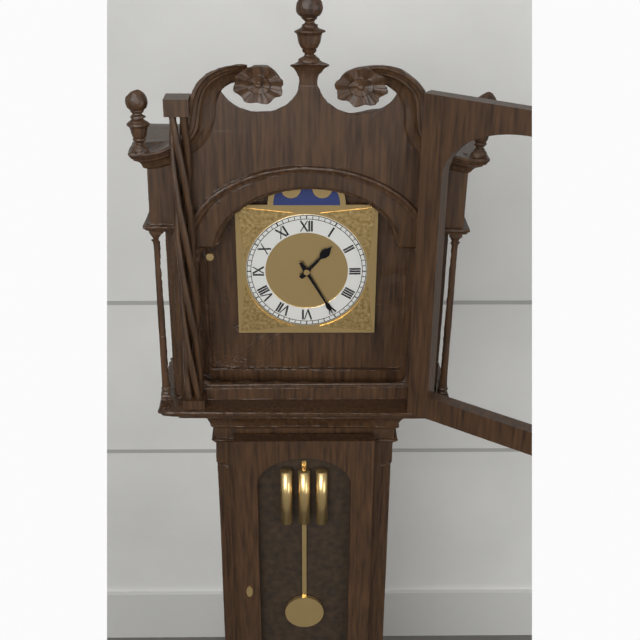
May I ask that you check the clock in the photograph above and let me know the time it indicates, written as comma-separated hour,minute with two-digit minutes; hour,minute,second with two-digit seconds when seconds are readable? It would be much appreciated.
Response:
1,25
